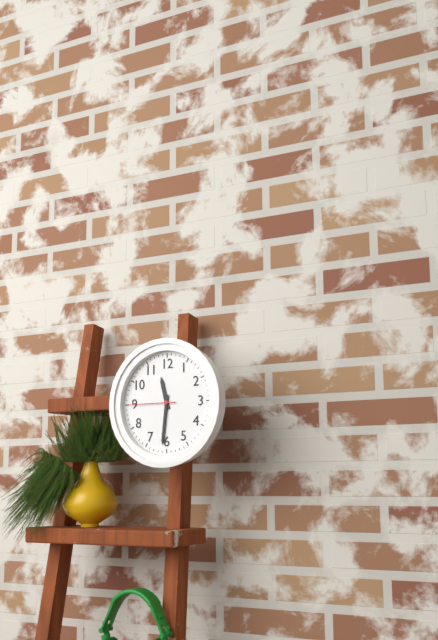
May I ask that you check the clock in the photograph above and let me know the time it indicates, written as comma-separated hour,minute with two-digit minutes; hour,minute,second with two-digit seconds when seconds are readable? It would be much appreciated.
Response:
11,31
